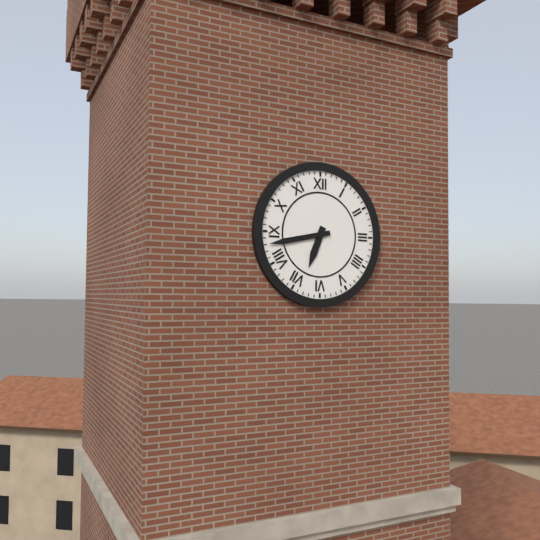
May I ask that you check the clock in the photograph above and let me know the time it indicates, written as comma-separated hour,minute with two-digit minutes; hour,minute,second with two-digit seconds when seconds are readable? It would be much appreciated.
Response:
6,43
